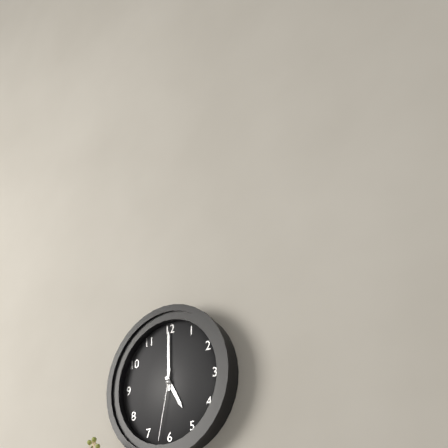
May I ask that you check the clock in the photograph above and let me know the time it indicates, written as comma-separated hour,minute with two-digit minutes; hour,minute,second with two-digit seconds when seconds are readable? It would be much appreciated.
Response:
5,00,32
